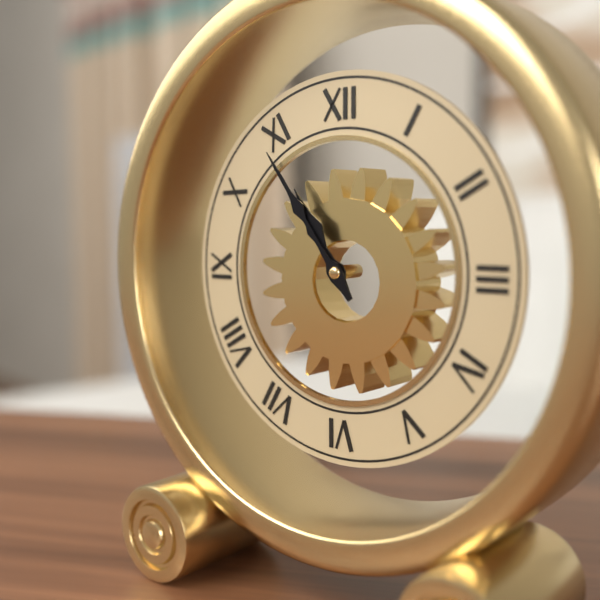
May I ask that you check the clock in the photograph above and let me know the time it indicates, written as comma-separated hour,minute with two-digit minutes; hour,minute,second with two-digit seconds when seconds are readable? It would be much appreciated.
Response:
10,54
